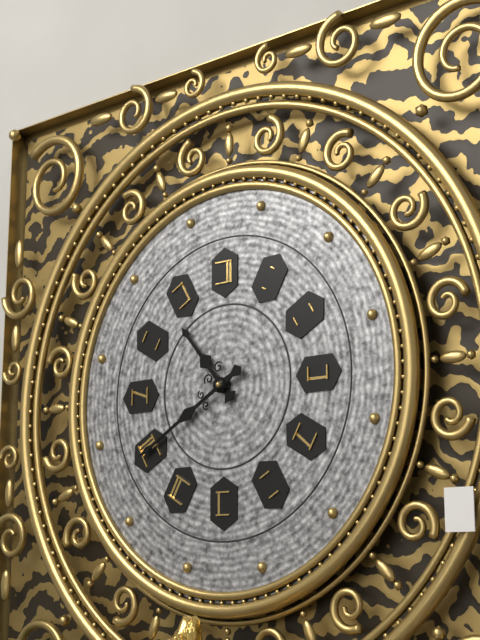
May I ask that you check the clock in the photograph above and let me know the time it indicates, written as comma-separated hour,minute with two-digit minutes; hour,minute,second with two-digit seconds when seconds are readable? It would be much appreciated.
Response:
10,40
